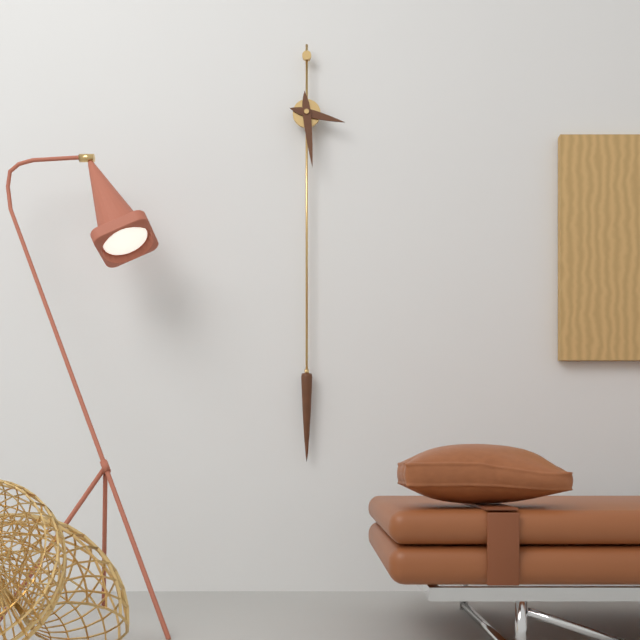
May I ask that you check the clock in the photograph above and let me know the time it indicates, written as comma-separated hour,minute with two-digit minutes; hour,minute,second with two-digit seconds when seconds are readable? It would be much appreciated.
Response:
3,29
